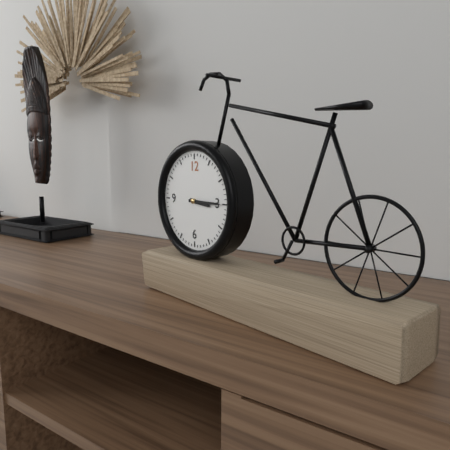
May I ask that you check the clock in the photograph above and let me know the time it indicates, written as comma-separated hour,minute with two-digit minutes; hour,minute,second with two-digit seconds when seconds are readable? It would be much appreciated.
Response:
3,15
